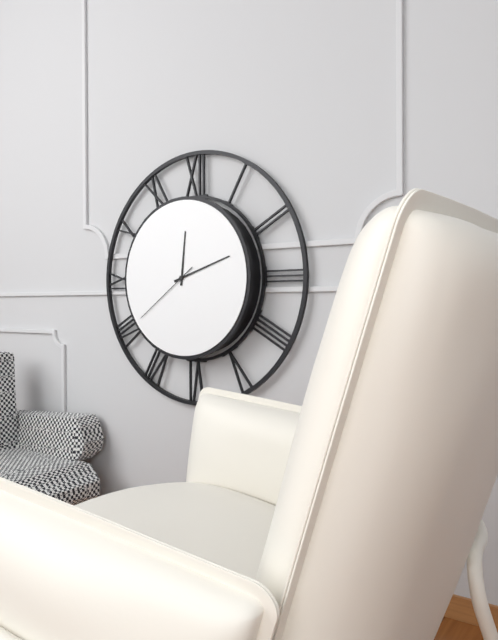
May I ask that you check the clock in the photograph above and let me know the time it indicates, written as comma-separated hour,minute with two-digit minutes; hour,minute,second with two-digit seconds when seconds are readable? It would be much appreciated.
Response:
12,12,39
